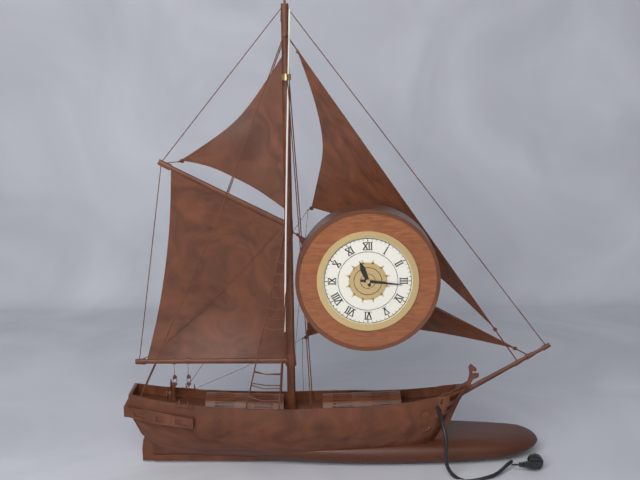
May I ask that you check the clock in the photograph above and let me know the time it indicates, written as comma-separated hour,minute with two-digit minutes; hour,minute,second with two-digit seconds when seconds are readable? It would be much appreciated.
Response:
11,16
